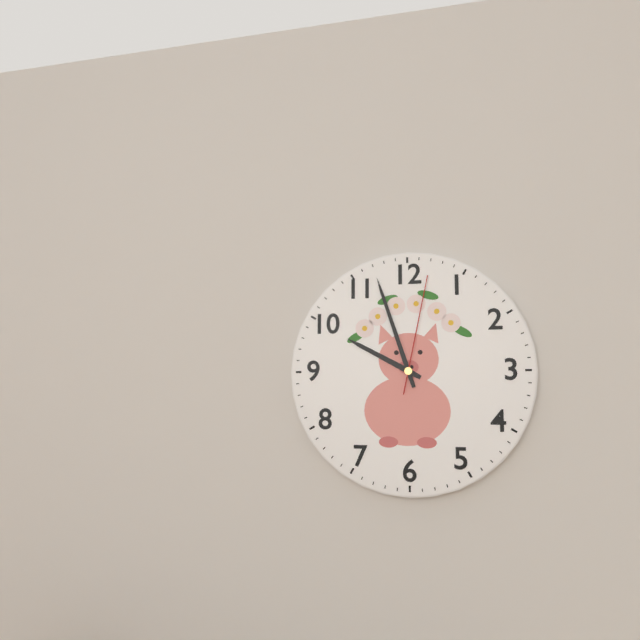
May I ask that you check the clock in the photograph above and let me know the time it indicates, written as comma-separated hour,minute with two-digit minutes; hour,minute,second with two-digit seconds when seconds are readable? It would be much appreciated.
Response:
9,57,02
